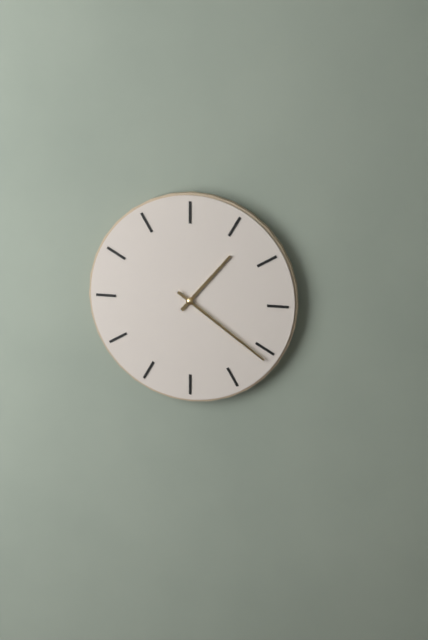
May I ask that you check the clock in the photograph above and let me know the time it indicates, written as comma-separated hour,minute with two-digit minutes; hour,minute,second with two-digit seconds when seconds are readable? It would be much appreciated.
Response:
1,21
